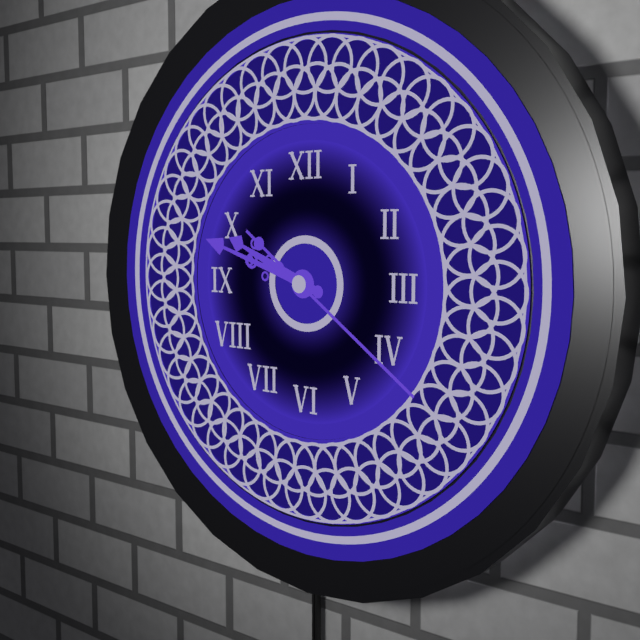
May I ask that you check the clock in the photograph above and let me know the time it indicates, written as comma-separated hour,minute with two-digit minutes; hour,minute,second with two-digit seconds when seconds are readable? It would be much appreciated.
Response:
9,48,21
